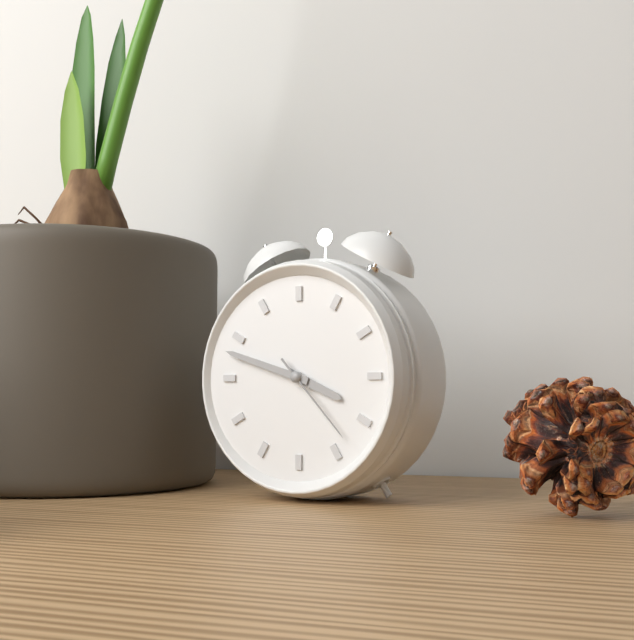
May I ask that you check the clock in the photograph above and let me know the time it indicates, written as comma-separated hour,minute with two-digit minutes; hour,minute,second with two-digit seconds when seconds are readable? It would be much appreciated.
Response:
3,48,23
